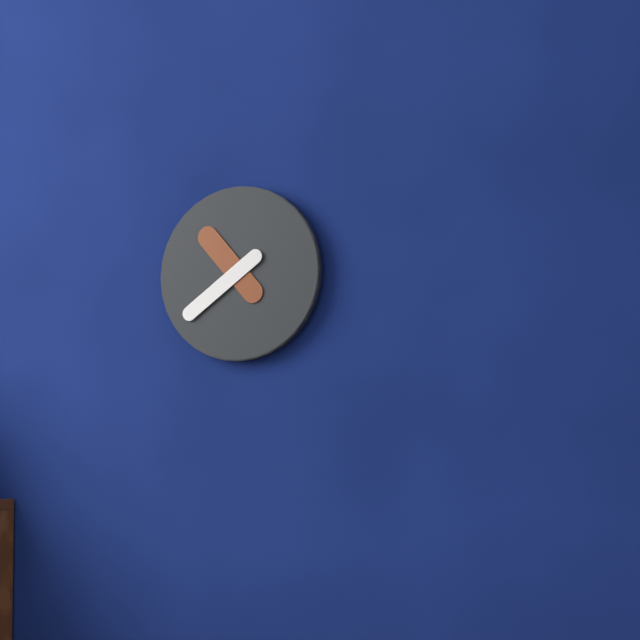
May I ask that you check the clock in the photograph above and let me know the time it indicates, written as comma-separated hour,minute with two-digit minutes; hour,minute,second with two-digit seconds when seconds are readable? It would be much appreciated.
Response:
10,39
